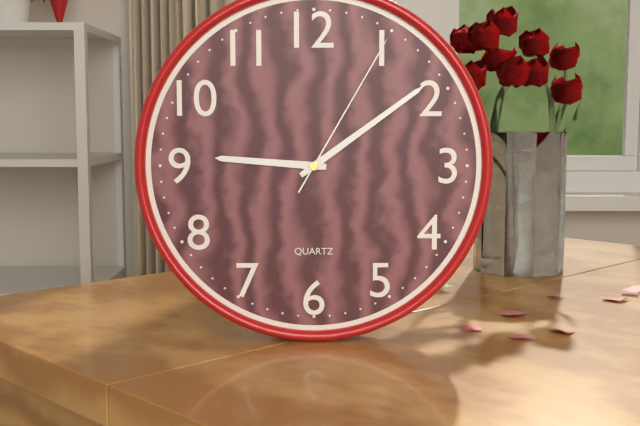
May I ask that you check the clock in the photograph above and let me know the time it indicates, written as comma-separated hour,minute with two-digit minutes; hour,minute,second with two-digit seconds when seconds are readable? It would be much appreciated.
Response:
9,09,05
